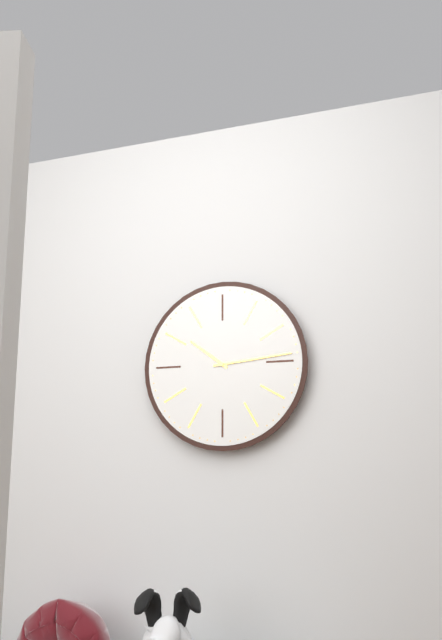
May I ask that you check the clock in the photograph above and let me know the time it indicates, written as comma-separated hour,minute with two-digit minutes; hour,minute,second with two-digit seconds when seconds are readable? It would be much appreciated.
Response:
10,14
